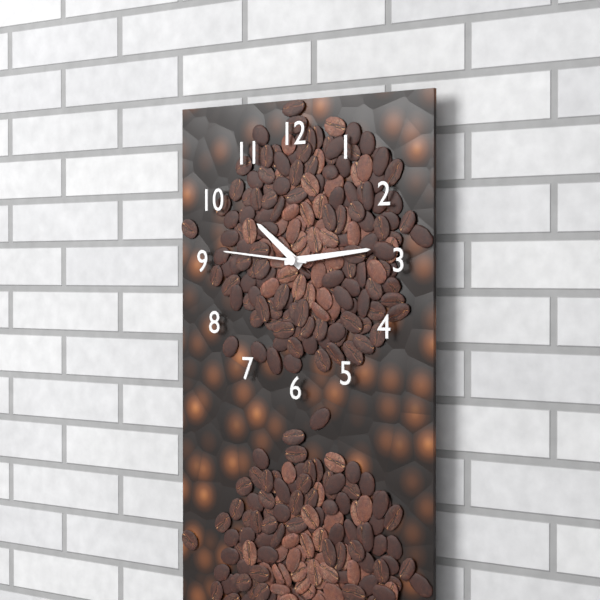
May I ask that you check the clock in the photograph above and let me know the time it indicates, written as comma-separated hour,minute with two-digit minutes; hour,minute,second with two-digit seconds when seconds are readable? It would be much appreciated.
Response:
10,14,46
